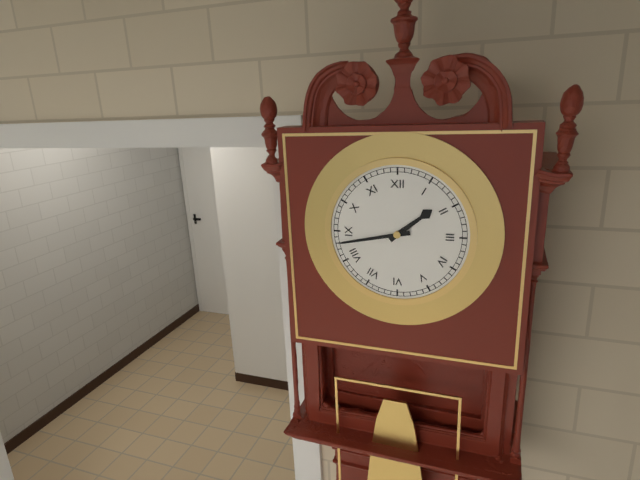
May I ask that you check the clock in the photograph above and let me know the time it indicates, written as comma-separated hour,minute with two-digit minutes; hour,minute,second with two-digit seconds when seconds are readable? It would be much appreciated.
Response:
1,43
